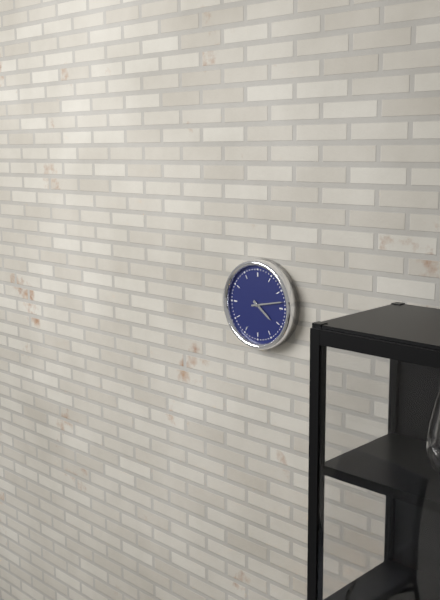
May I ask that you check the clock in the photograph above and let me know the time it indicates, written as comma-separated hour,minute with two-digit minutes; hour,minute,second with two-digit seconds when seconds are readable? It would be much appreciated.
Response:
4,13
